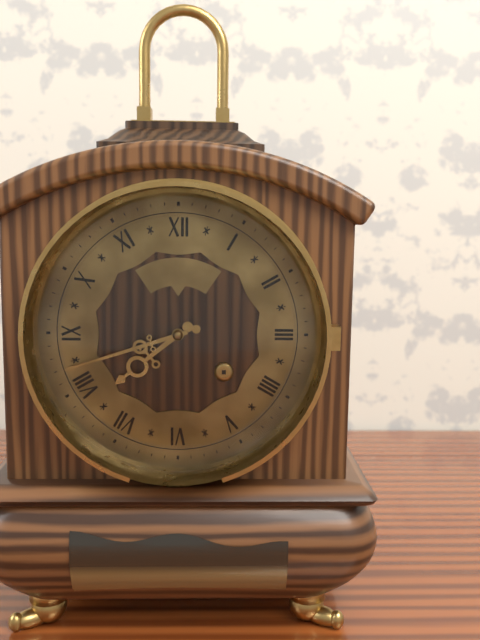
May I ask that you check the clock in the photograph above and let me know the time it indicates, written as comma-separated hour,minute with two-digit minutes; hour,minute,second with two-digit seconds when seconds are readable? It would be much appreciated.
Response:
7,42
